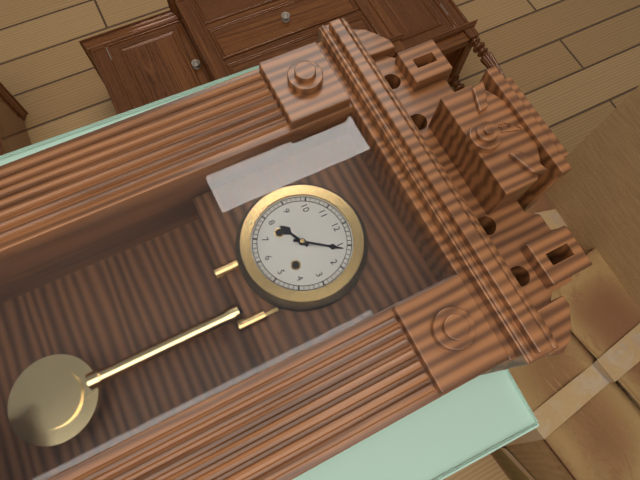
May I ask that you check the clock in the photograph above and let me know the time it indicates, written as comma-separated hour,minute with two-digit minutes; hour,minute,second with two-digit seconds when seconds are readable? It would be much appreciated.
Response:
8,06
